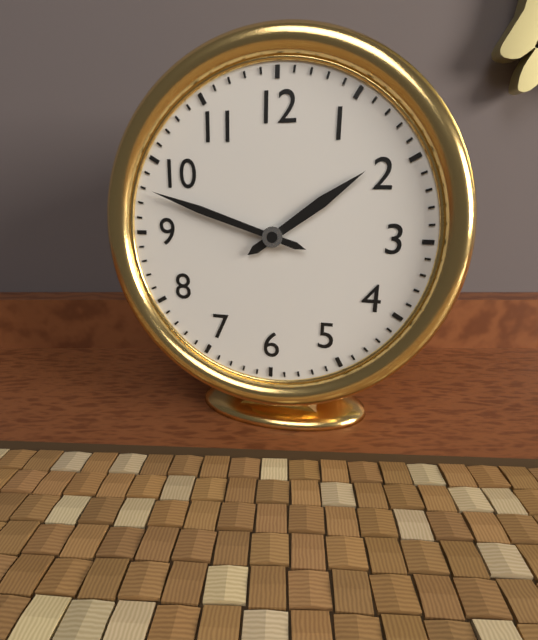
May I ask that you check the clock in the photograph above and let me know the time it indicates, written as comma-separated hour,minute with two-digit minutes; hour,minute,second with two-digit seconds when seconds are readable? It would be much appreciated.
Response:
1,48
